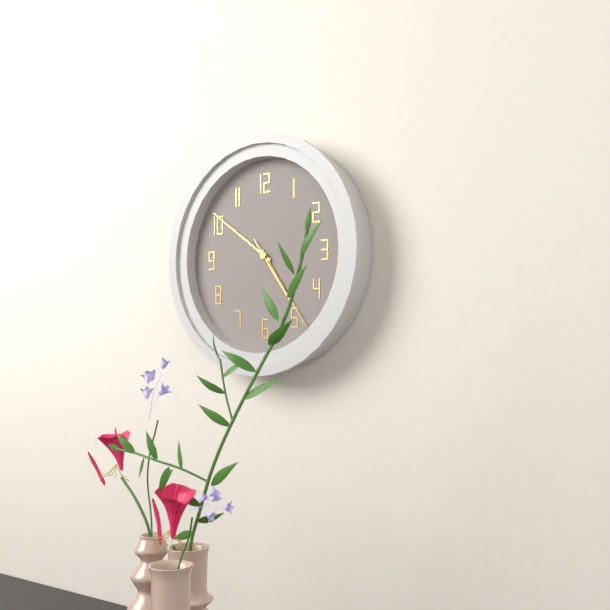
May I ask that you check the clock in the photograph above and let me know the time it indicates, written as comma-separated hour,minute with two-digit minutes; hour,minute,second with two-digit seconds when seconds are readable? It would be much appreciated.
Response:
4,51,24
